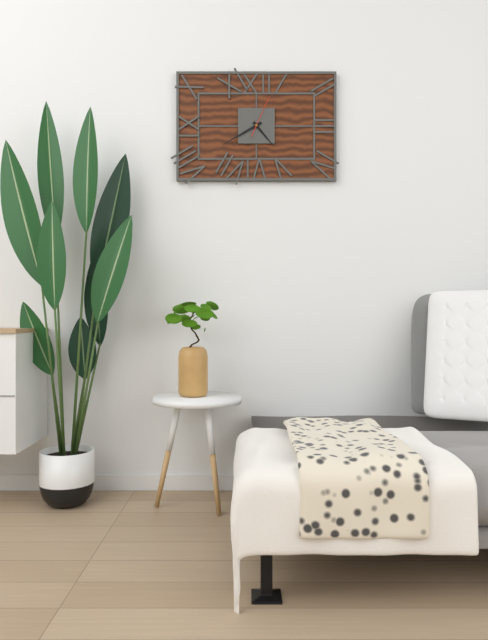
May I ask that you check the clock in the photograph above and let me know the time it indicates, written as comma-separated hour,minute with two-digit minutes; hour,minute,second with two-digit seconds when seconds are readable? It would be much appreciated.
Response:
4,40
